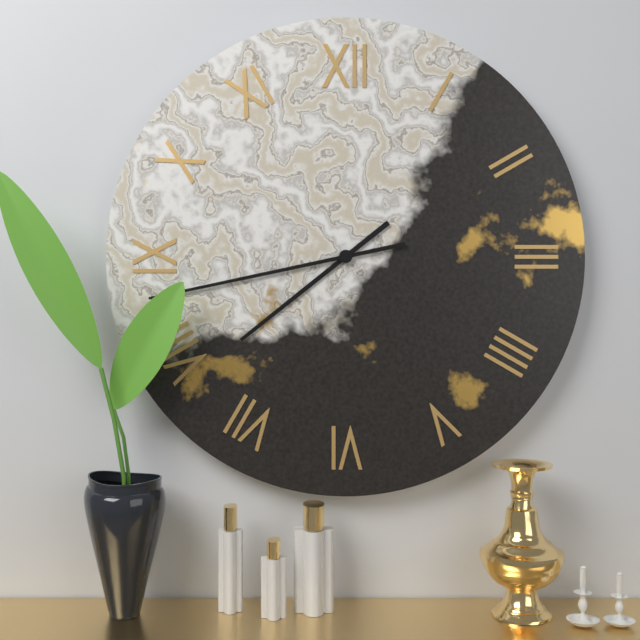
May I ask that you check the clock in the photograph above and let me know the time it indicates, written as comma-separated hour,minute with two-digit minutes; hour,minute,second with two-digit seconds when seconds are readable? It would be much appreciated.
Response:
7,43
